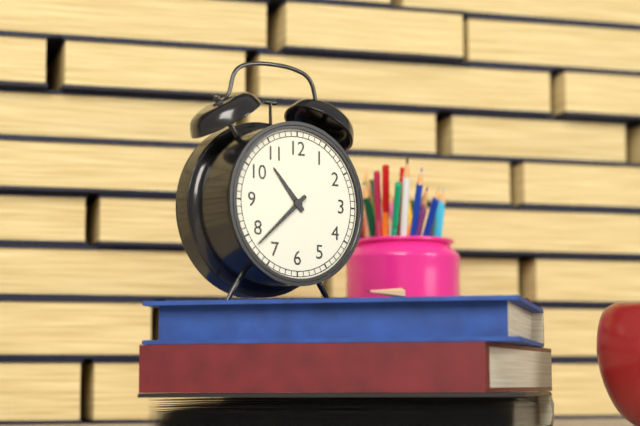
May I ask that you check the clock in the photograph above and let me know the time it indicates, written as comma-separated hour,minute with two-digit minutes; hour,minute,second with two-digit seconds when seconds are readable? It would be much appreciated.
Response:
10,38
